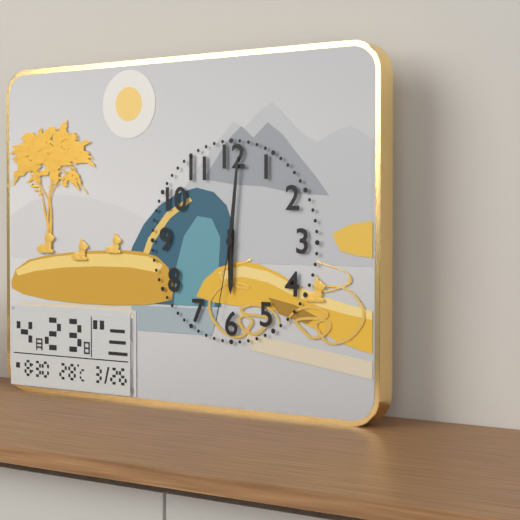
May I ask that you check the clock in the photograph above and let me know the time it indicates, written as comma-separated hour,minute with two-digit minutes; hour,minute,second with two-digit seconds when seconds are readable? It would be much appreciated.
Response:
6,01,32
